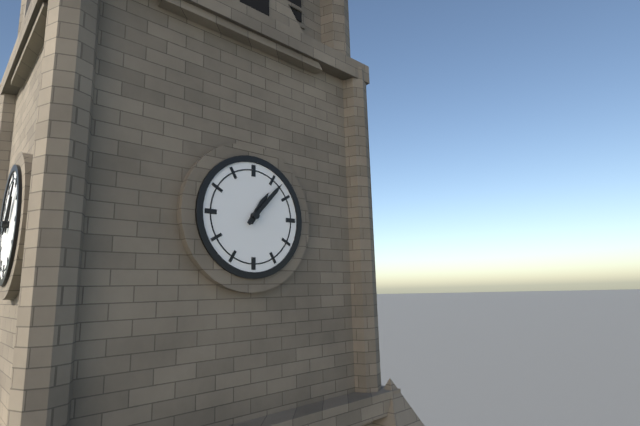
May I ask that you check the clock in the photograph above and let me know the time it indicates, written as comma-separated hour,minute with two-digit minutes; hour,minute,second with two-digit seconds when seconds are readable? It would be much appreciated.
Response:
1,07
